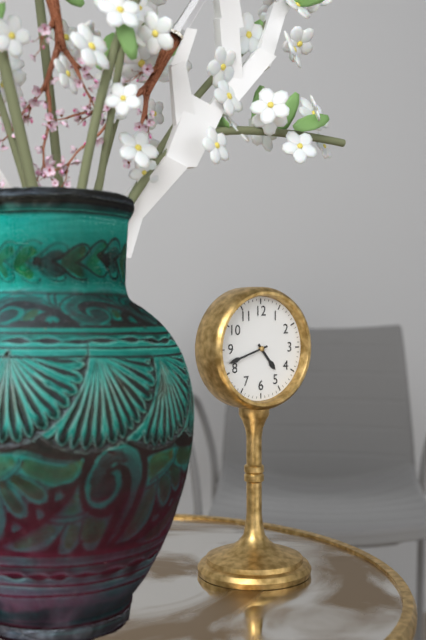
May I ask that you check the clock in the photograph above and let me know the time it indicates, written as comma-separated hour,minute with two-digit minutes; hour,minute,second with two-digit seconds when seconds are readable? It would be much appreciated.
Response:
4,42
